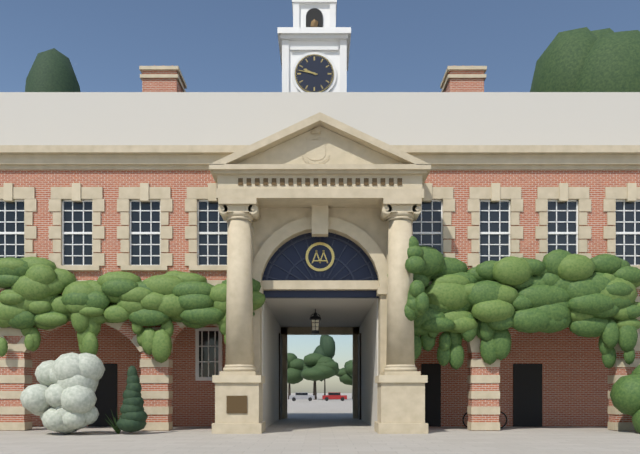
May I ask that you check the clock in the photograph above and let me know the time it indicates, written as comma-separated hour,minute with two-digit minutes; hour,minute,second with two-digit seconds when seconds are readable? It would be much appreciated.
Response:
9,47
